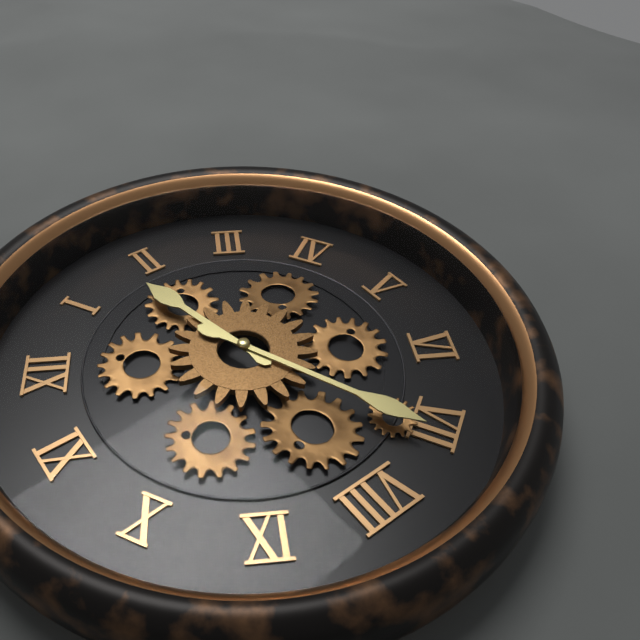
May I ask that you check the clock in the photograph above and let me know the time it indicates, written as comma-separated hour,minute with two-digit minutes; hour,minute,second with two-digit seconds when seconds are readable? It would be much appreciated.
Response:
1,36
